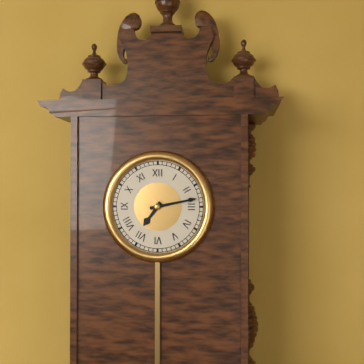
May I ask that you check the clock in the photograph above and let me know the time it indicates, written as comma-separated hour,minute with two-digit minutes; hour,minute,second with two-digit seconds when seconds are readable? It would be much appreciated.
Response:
7,13
